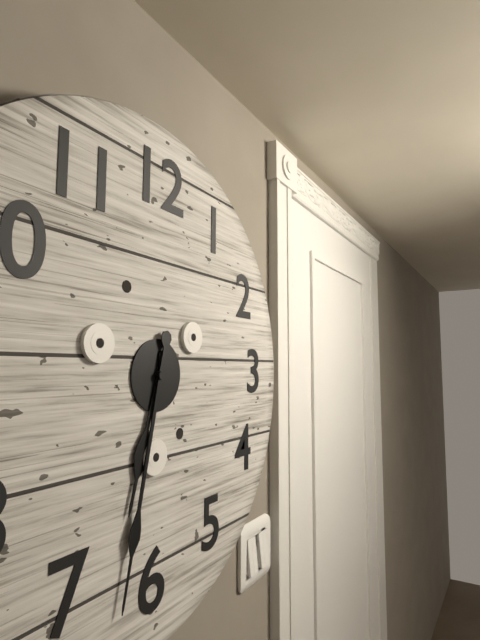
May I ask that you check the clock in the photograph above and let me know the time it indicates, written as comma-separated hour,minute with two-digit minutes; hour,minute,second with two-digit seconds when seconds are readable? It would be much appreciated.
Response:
6,32
